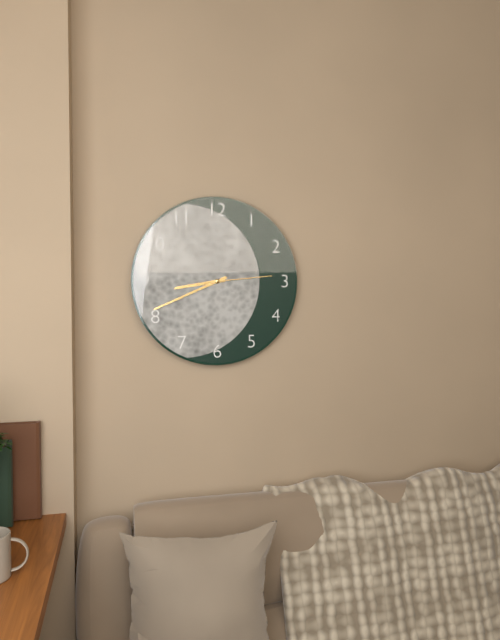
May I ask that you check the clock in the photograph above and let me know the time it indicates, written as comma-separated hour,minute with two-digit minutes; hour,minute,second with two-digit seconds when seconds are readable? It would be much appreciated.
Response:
8,41,14
